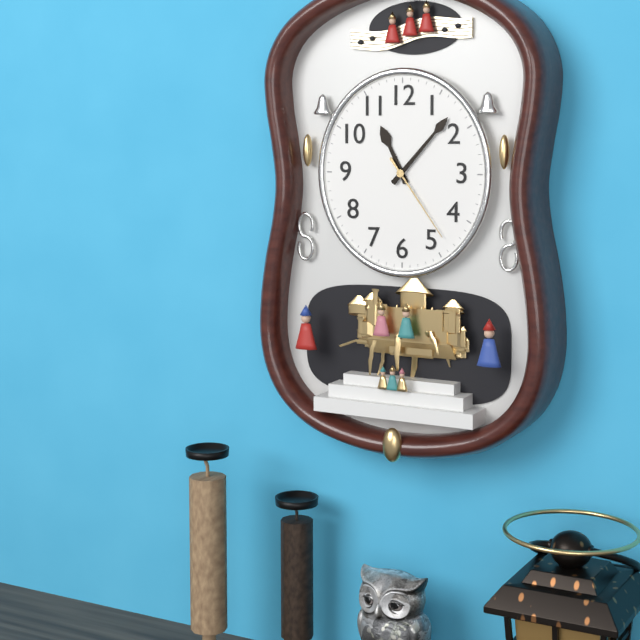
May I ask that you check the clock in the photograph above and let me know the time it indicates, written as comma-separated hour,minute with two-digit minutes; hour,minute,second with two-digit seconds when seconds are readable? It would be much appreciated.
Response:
11,07,24
